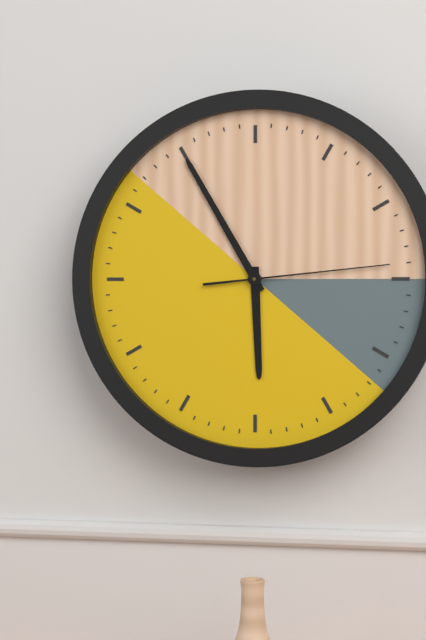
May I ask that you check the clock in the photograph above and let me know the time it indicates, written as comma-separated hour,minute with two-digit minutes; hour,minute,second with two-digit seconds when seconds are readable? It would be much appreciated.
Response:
5,55,14
